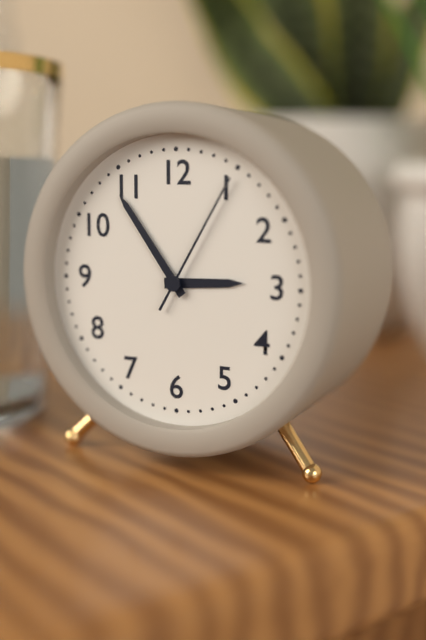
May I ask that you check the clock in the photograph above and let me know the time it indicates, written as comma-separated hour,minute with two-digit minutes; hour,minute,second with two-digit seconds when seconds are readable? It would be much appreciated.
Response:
2,54,05
